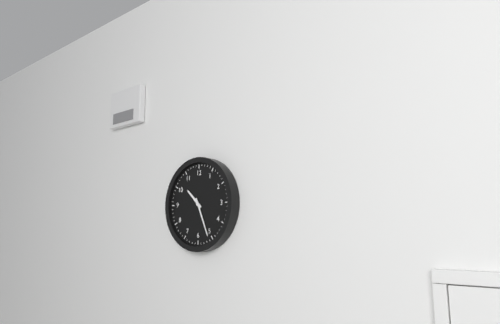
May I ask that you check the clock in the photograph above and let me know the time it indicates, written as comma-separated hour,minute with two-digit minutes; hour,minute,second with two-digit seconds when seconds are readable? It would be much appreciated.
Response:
10,26
